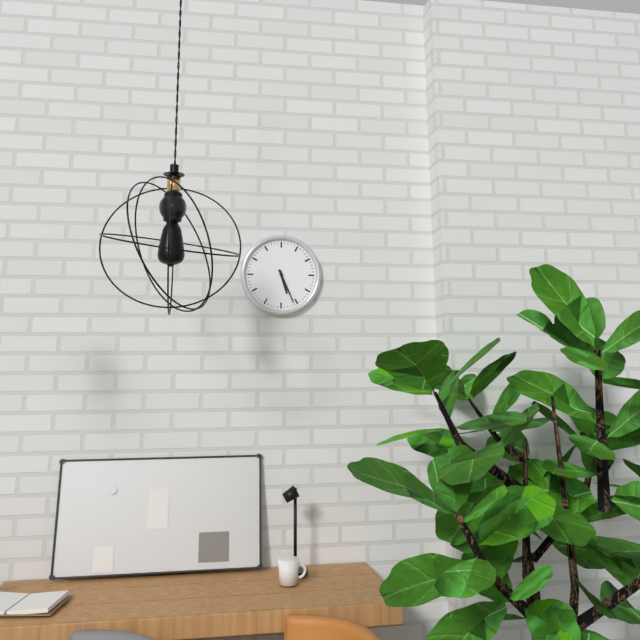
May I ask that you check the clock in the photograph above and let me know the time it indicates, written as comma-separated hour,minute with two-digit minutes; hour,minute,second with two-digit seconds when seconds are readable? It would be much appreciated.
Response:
5,26
